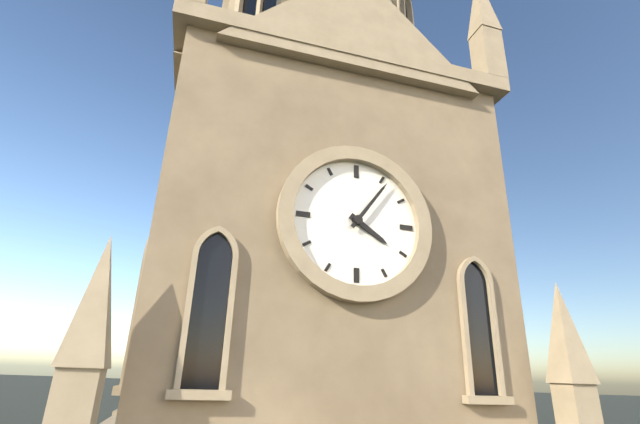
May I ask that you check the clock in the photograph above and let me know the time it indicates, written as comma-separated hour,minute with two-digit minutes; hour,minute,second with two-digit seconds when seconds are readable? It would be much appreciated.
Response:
4,06
